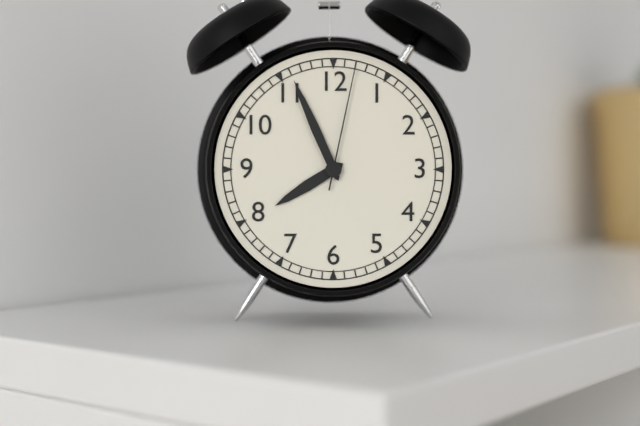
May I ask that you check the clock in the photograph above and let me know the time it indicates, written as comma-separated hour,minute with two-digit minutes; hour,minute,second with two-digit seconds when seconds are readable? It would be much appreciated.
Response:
7,56,02
